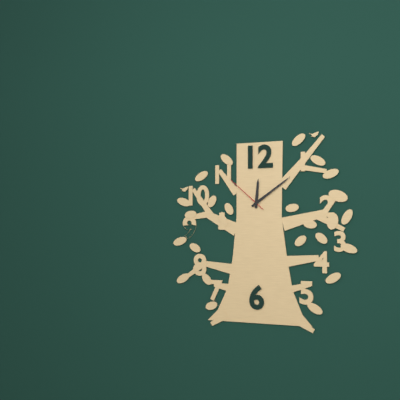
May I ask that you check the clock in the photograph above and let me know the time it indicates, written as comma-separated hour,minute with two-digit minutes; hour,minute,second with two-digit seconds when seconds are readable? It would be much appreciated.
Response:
12,09
